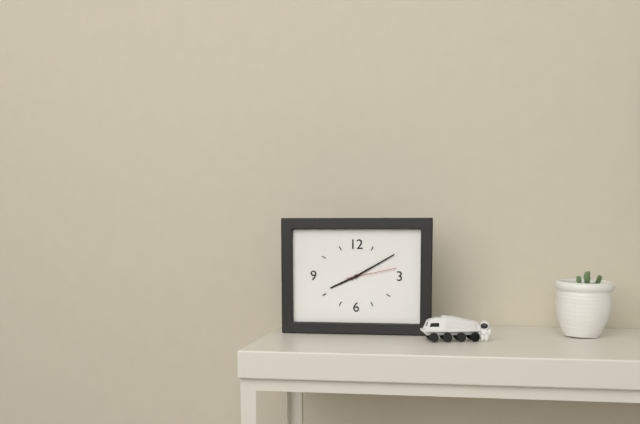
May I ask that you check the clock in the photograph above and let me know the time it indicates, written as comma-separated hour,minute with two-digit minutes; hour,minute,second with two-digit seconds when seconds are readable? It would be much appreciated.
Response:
8,10,13
